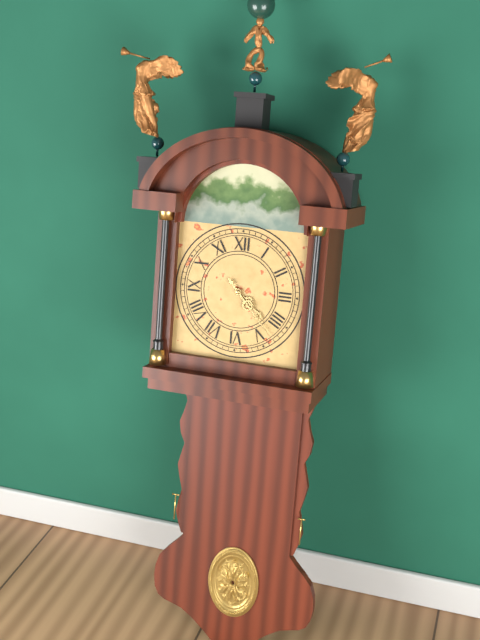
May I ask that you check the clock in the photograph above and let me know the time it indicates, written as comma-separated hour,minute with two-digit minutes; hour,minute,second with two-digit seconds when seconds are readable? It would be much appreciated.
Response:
4,23
